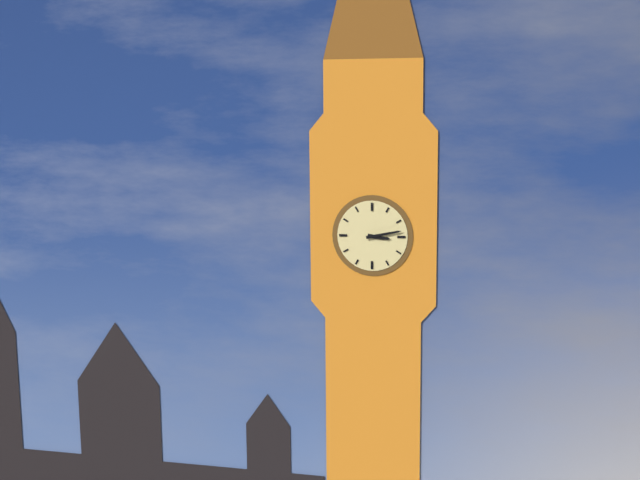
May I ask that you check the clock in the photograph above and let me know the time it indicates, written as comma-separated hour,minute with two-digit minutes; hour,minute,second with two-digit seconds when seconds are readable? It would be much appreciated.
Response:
3,13
